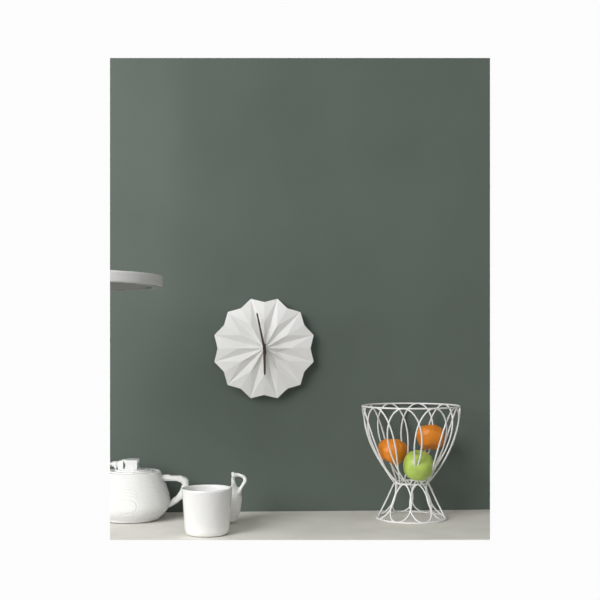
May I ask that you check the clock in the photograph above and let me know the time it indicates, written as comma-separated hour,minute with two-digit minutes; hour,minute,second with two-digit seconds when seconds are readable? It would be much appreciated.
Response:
5,58
